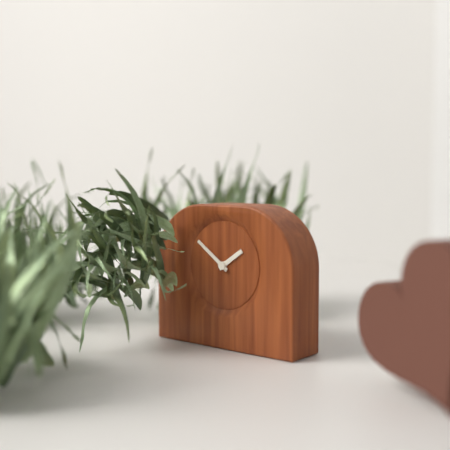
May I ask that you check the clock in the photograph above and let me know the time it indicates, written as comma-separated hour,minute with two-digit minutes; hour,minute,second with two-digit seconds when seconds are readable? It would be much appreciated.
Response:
1,51
